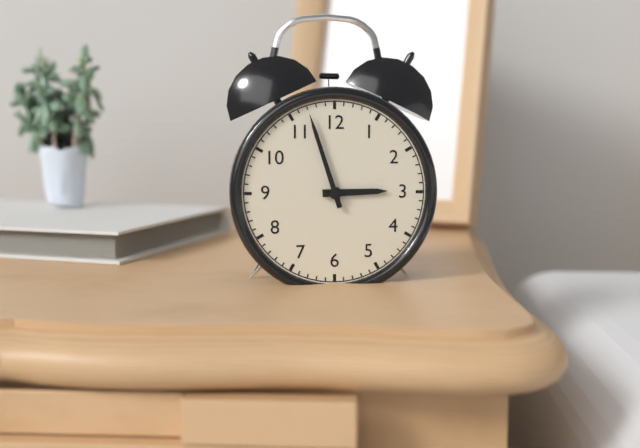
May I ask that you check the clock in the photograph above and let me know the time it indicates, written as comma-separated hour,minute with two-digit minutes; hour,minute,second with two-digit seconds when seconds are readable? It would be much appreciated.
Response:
2,57
